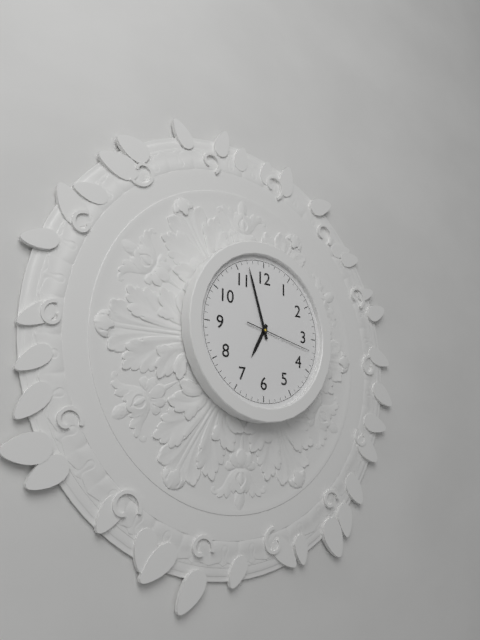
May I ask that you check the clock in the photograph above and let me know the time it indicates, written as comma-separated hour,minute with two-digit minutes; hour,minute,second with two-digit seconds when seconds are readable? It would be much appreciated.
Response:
6,57,17
